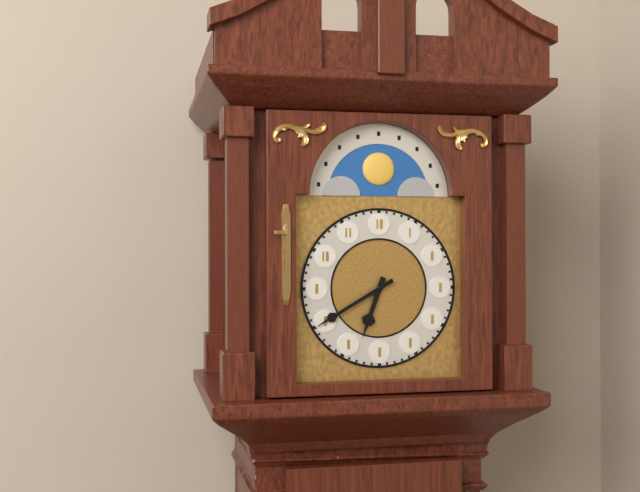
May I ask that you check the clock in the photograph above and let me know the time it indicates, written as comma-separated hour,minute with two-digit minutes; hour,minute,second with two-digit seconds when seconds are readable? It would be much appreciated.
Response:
6,40
